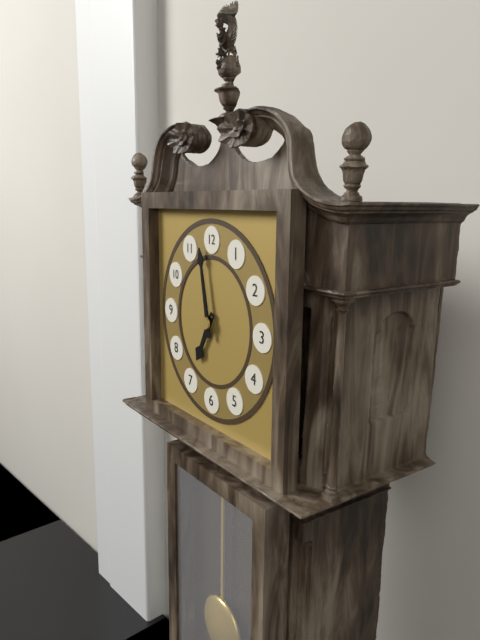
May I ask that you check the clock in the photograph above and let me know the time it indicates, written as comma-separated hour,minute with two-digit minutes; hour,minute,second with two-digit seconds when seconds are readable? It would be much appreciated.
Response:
6,58
